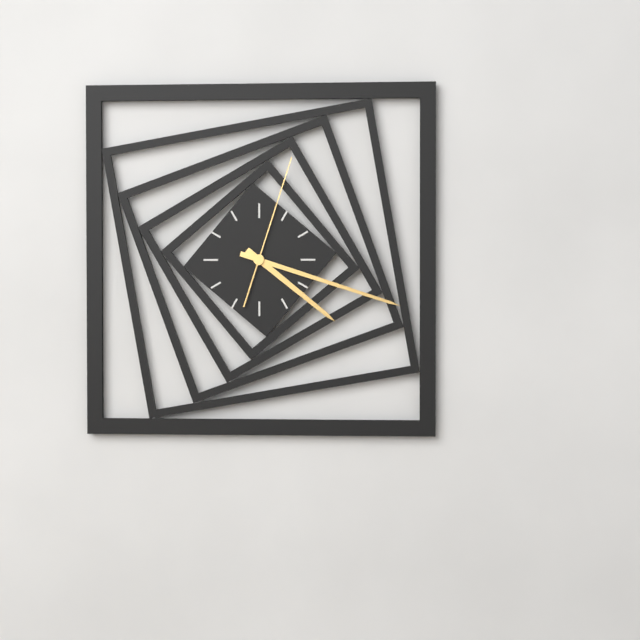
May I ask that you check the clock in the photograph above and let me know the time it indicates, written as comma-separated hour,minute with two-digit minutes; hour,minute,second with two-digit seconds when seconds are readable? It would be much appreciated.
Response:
4,18,03
